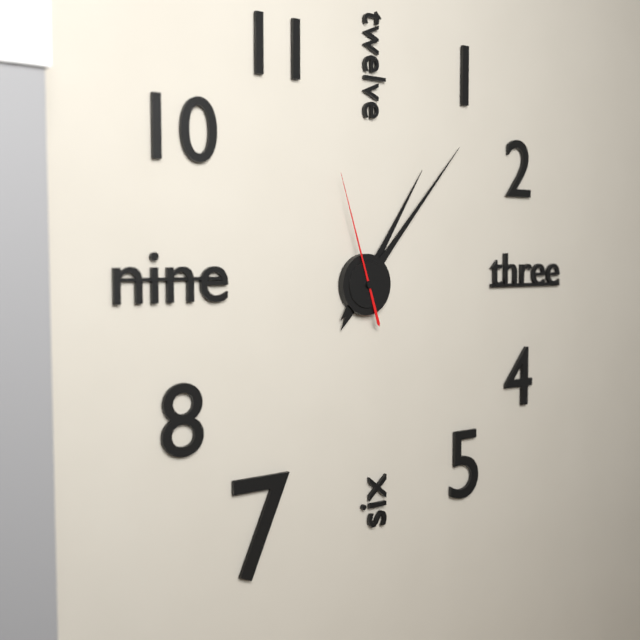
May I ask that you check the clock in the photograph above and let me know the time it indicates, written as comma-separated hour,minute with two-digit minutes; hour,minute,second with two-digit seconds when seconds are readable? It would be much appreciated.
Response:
1,07,57
